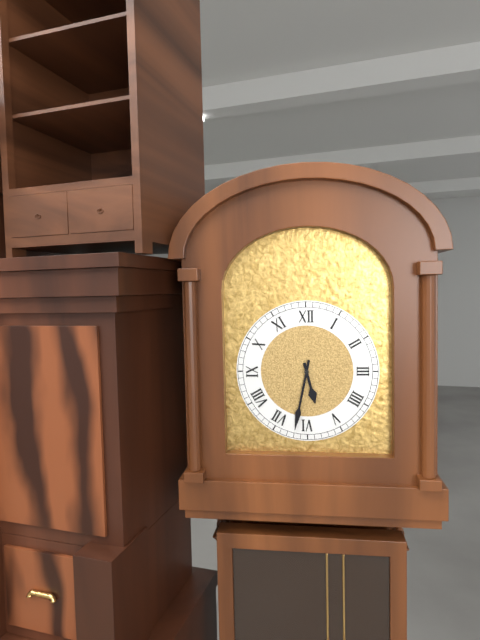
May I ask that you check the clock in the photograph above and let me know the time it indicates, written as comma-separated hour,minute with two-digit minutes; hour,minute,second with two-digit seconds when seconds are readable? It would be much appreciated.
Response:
5,32
